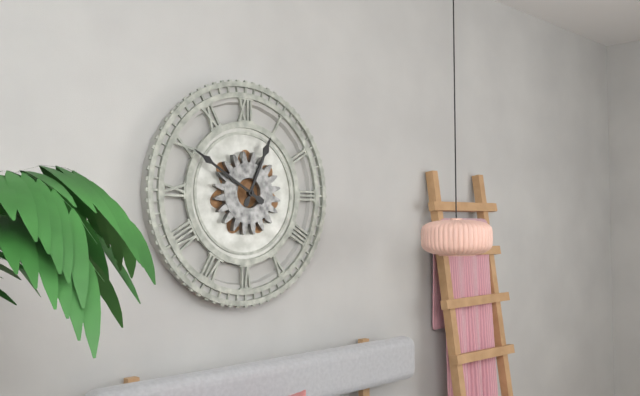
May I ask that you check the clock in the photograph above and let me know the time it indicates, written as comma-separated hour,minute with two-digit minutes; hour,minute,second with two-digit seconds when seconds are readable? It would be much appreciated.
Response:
12,50
